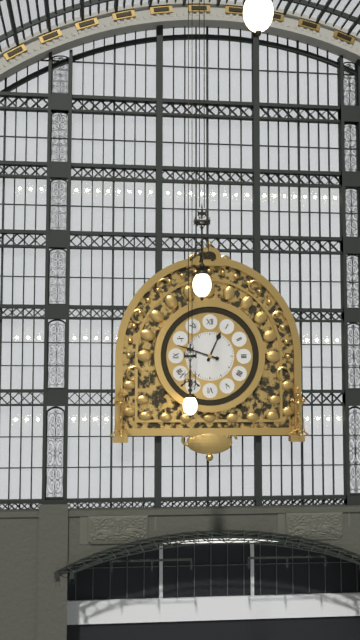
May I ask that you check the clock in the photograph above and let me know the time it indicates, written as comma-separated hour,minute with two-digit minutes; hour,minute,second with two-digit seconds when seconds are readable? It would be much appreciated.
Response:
12,48
